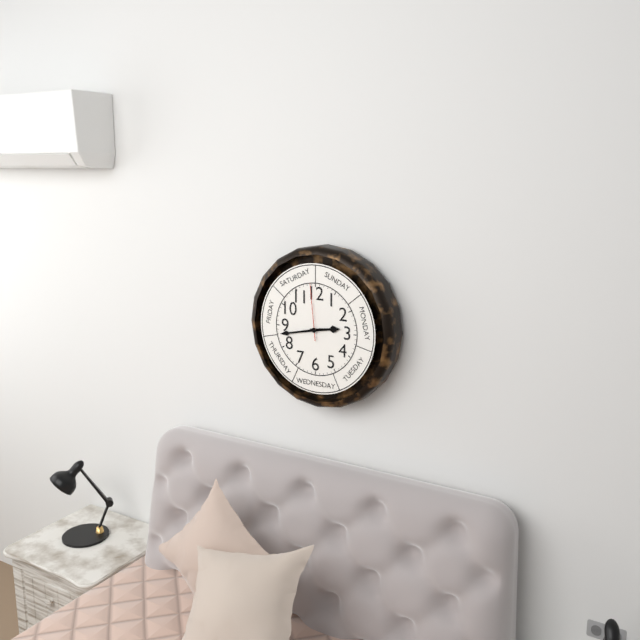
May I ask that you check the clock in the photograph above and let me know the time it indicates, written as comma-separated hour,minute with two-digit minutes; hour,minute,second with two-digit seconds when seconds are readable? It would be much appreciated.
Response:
2,43,59
